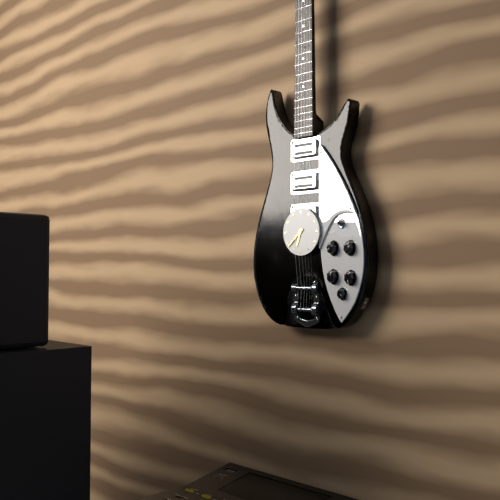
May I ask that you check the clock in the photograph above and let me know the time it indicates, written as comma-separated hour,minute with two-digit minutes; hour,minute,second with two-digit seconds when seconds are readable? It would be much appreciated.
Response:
6,38
